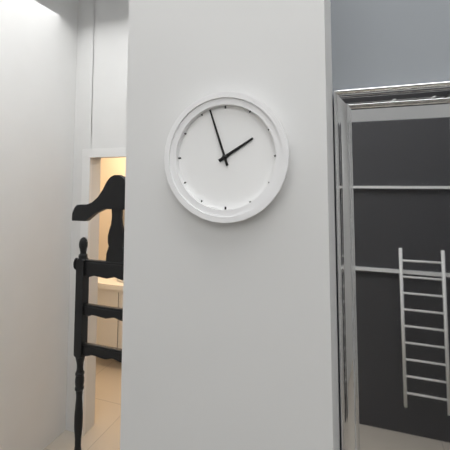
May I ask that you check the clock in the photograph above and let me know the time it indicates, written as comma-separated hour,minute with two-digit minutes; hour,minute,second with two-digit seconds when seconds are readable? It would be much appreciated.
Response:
1,57
